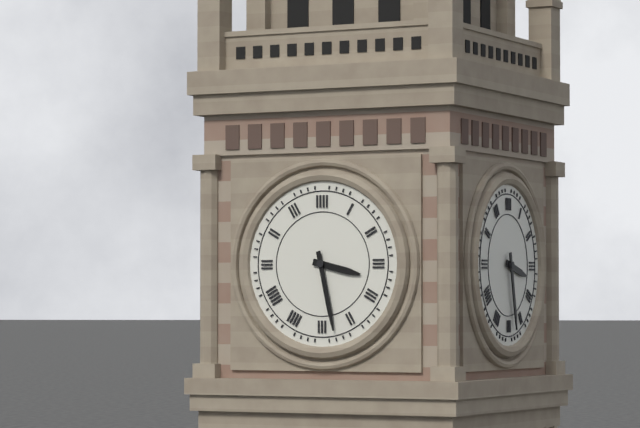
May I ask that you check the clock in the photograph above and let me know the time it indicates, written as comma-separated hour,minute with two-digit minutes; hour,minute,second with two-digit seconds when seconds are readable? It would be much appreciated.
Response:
3,28
